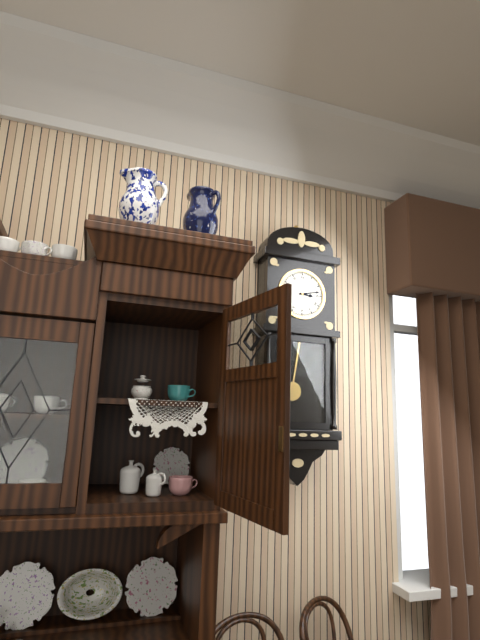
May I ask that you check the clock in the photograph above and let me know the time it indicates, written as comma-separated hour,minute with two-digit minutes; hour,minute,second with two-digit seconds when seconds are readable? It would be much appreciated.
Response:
3,13
